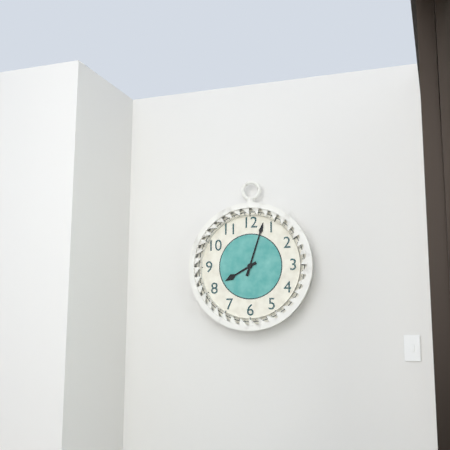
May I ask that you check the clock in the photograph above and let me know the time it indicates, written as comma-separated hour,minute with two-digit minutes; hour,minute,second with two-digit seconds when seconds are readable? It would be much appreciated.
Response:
8,03
